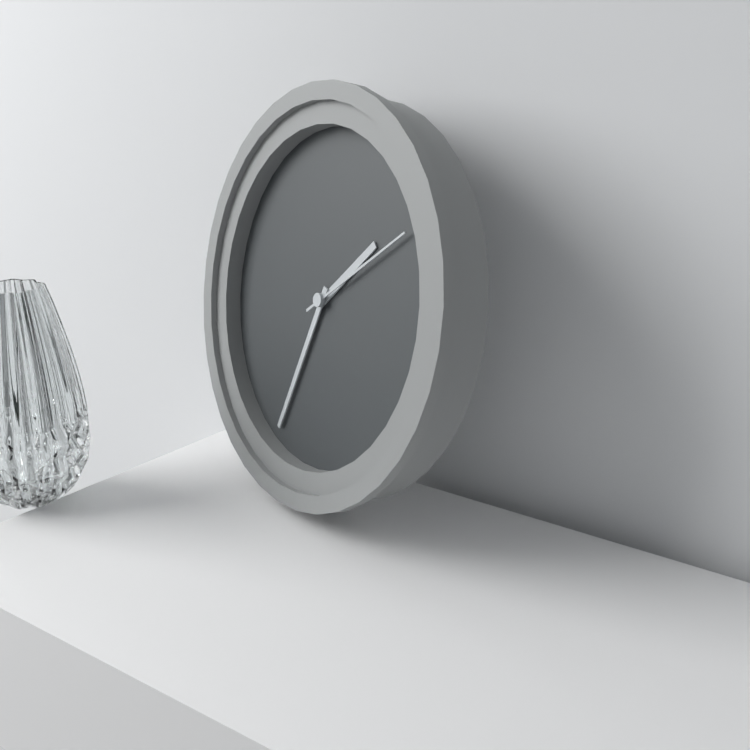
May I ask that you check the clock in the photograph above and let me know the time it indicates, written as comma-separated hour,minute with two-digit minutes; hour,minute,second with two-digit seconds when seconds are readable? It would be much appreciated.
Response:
1,33,09
